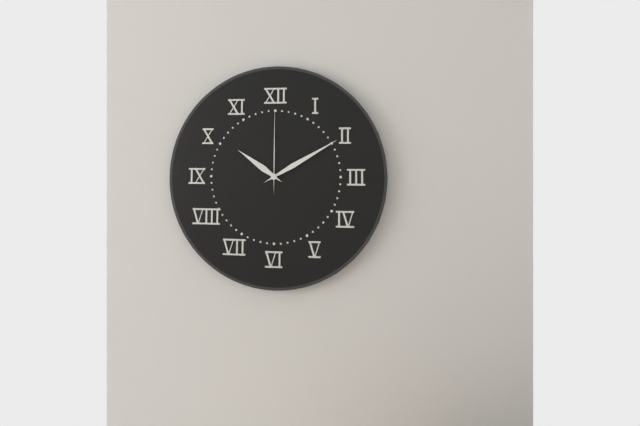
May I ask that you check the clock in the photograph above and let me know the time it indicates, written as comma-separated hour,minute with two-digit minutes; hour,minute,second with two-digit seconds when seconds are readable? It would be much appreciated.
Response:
10,10,00
